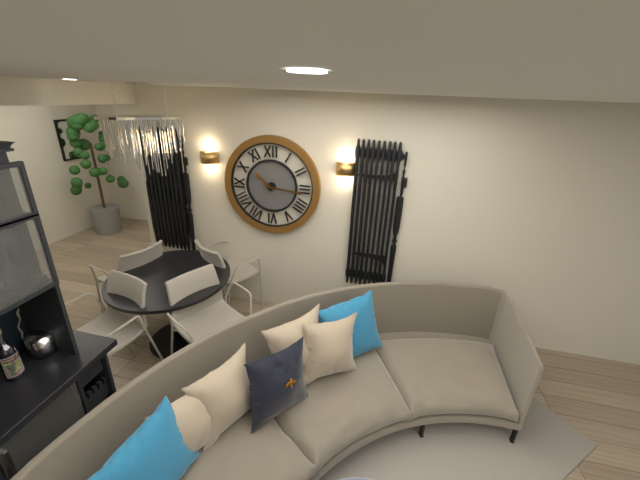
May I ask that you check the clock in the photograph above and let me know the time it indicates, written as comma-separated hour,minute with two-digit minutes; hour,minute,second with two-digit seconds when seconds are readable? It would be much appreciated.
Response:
10,16
